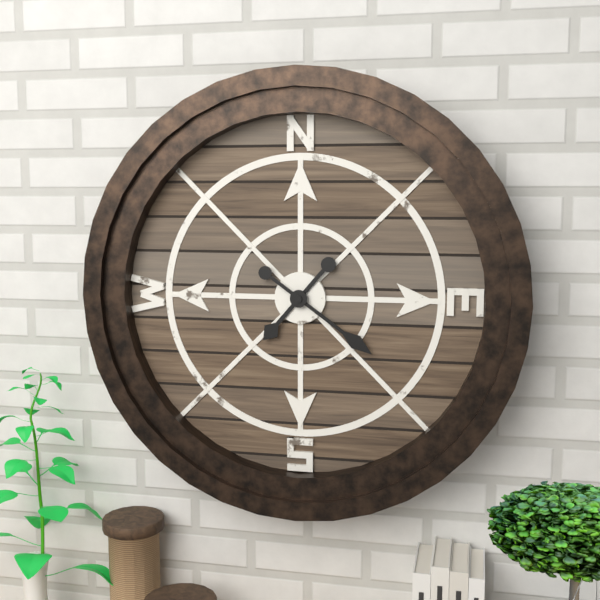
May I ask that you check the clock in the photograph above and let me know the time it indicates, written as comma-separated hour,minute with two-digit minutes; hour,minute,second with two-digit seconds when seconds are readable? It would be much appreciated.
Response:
7,21
